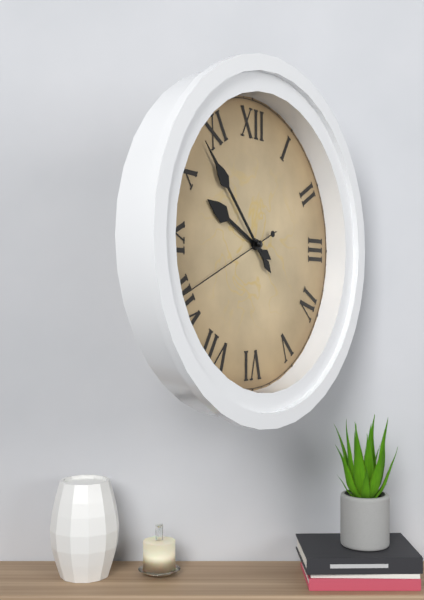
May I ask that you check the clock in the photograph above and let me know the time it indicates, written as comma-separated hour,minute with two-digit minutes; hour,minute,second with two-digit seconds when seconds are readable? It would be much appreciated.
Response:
9,53,41
